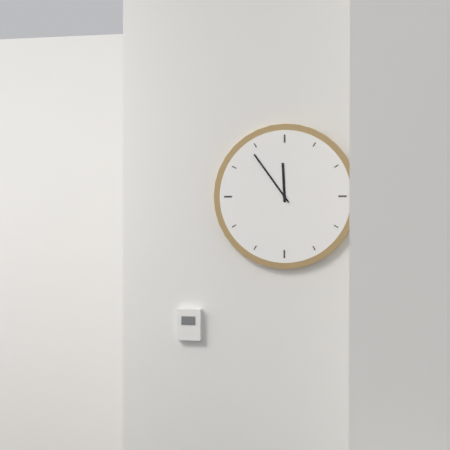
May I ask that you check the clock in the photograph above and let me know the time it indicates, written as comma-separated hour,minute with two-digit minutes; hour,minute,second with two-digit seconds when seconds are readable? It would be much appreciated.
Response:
11,54
